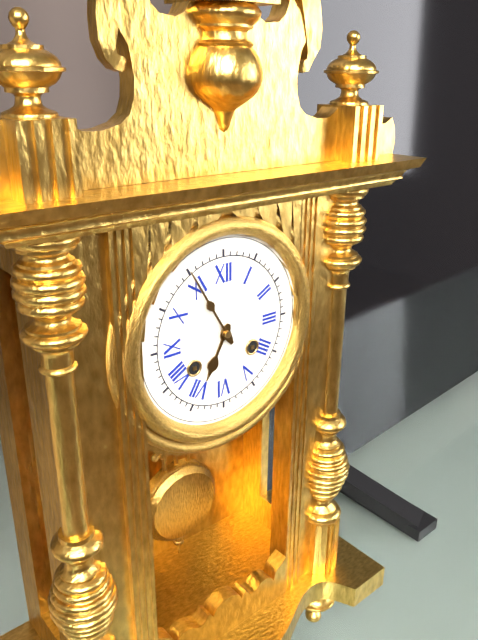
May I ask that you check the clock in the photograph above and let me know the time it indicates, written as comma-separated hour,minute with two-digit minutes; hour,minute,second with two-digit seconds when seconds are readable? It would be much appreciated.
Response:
6,55
